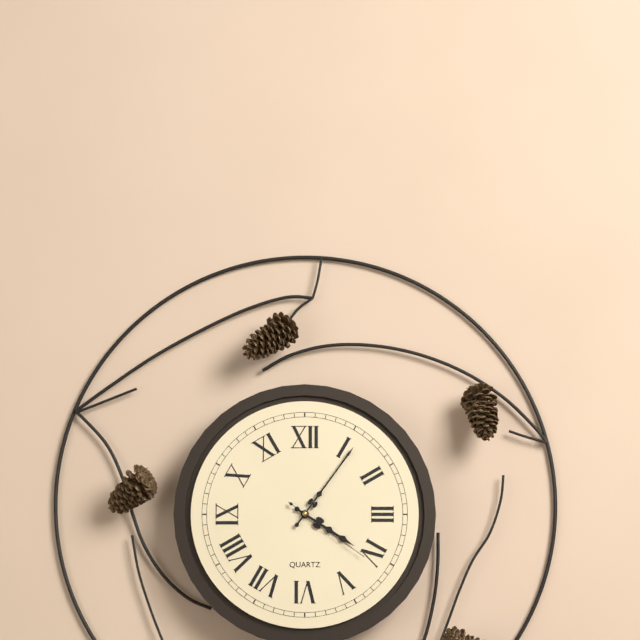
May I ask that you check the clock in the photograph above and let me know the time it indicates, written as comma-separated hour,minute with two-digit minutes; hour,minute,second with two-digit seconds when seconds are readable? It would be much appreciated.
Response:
4,06,21
